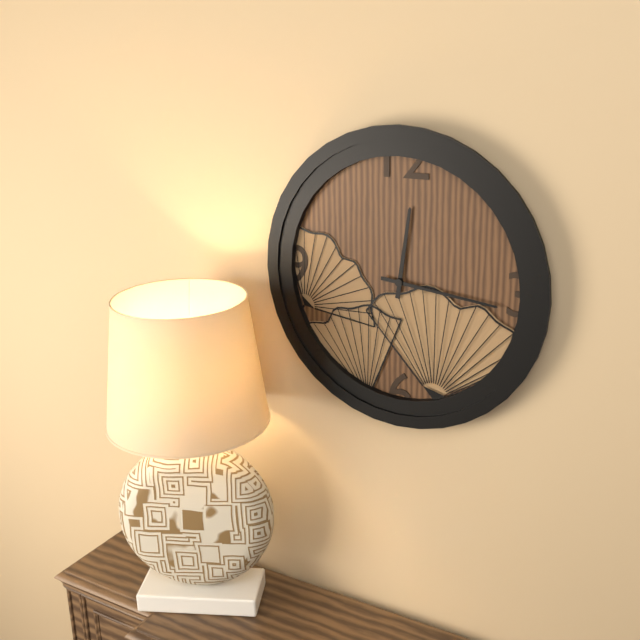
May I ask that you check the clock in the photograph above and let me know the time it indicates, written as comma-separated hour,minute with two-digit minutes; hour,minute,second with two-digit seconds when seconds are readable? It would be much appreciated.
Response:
12,16
